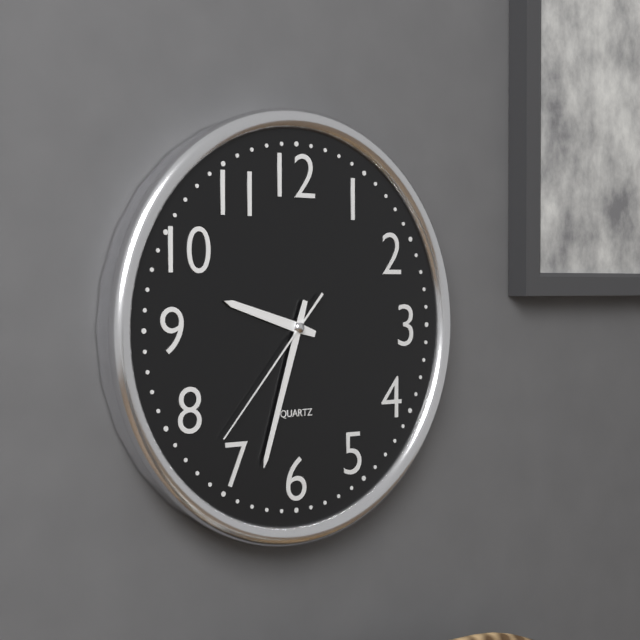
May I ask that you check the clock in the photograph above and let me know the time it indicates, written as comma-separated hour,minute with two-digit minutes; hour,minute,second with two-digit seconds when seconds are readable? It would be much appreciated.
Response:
9,33,37
